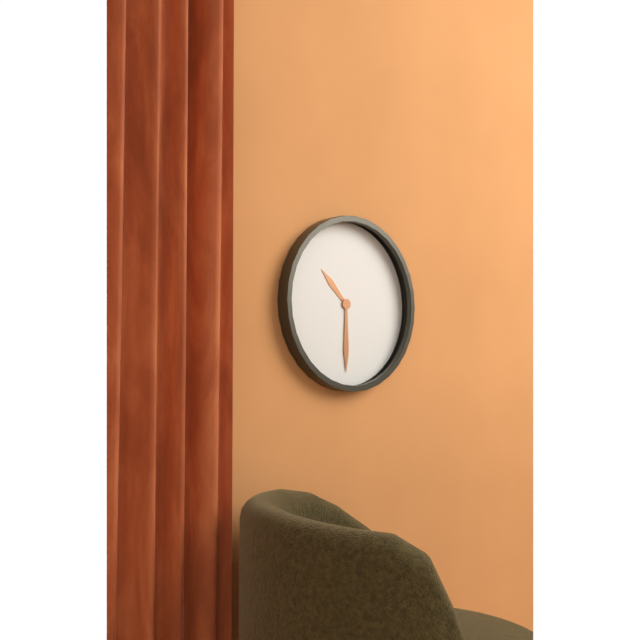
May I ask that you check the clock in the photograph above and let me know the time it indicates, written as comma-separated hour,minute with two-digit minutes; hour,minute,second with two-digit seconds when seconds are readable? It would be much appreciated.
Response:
10,30
